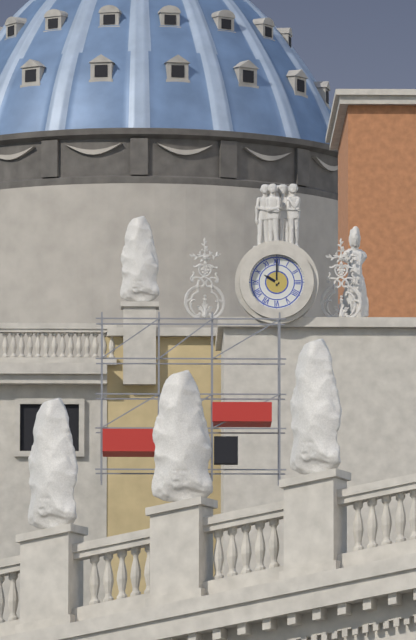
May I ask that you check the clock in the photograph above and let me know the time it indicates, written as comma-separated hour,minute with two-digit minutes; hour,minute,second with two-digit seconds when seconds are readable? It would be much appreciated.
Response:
10,00
